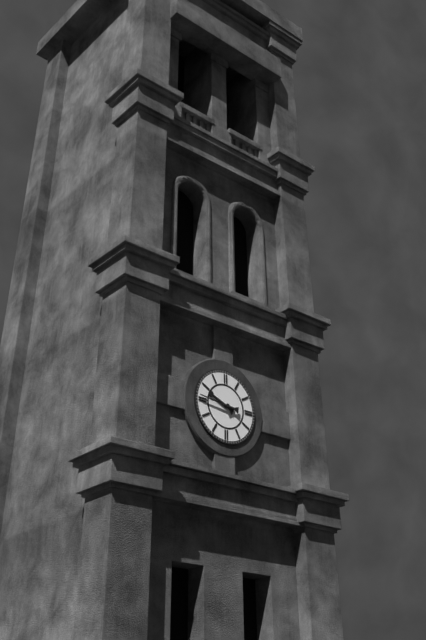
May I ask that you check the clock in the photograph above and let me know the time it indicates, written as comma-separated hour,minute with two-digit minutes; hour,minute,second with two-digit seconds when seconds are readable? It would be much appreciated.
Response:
9,46
